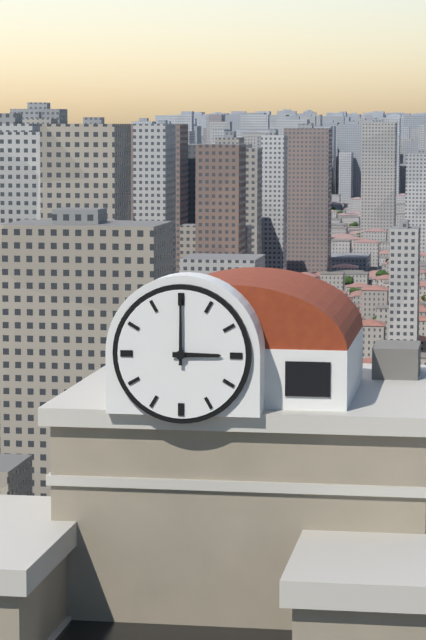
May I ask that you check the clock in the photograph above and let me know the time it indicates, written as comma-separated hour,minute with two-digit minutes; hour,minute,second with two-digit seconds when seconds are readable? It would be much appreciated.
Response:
3,00
